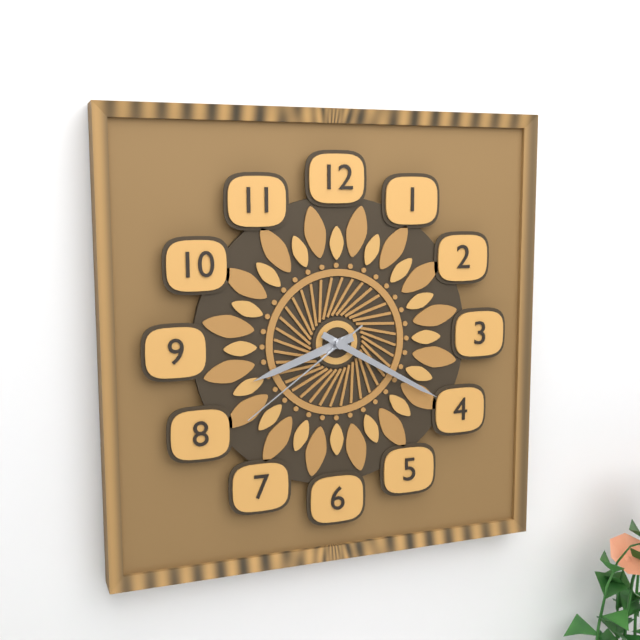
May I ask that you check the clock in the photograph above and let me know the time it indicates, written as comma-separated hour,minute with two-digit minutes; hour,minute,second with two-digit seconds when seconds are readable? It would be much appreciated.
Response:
8,20,39
